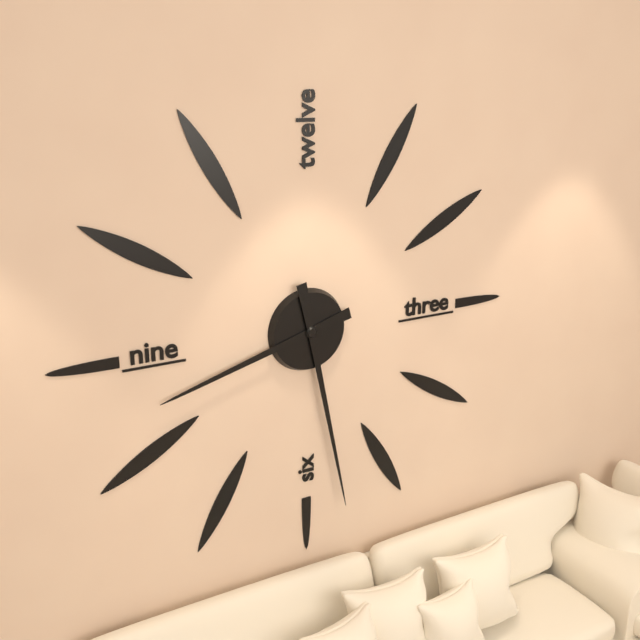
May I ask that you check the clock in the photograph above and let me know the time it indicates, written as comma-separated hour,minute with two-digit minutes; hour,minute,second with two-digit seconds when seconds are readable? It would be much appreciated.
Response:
8,28
